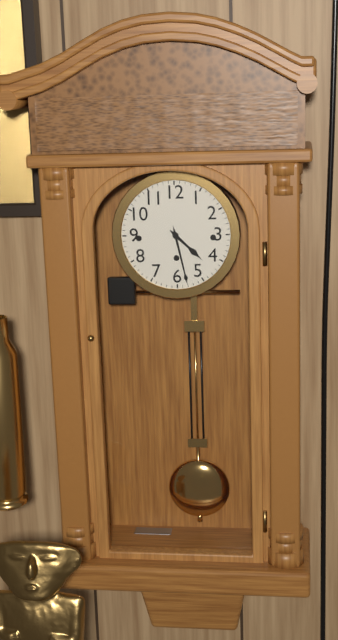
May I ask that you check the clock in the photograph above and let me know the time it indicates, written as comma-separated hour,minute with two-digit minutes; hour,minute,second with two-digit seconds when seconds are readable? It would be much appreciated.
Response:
4,28
